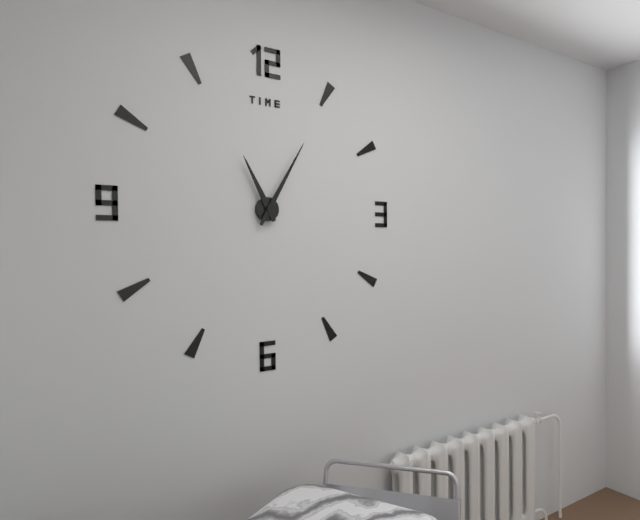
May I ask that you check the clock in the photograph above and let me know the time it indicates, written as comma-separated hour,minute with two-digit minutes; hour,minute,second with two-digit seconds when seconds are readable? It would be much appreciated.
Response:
11,05
